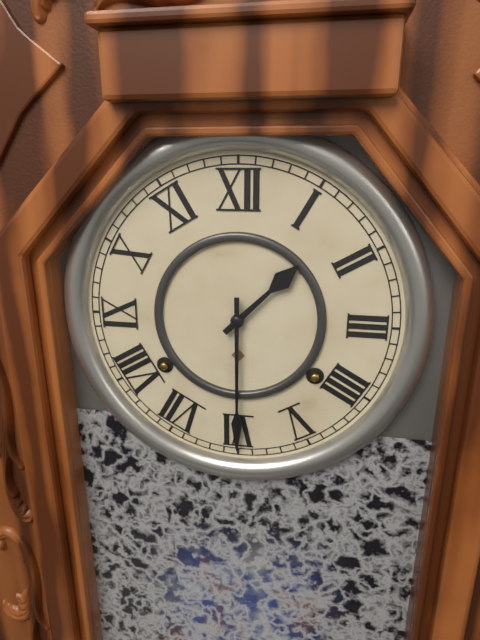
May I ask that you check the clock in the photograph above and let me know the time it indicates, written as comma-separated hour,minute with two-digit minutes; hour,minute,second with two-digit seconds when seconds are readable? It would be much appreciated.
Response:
1,30
